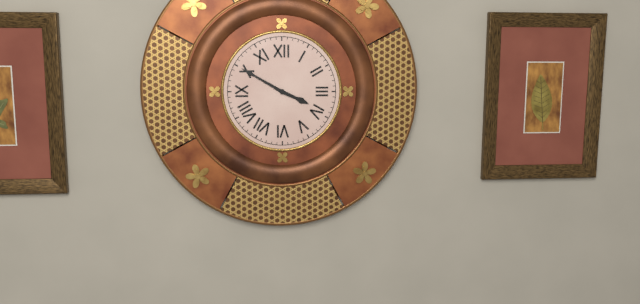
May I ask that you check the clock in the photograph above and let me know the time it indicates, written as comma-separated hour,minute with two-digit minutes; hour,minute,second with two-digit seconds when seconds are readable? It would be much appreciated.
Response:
3,50
